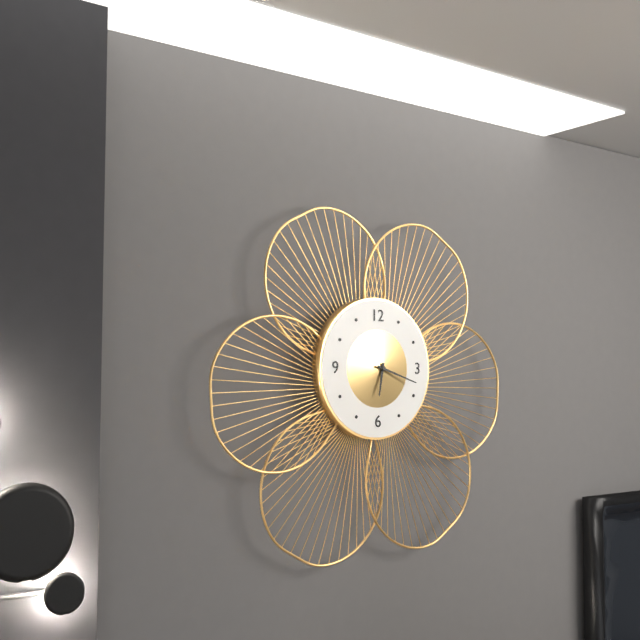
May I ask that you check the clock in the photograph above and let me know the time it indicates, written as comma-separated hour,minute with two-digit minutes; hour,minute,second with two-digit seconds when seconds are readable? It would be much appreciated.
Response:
6,18
